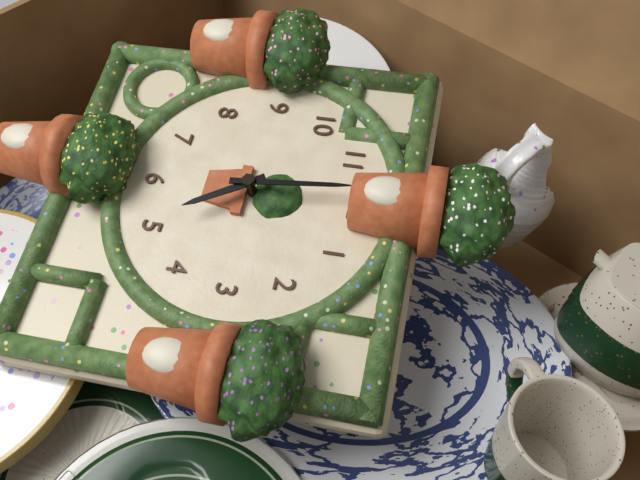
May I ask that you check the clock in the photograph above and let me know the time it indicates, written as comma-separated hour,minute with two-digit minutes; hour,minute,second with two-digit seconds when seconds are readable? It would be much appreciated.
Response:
4,59
